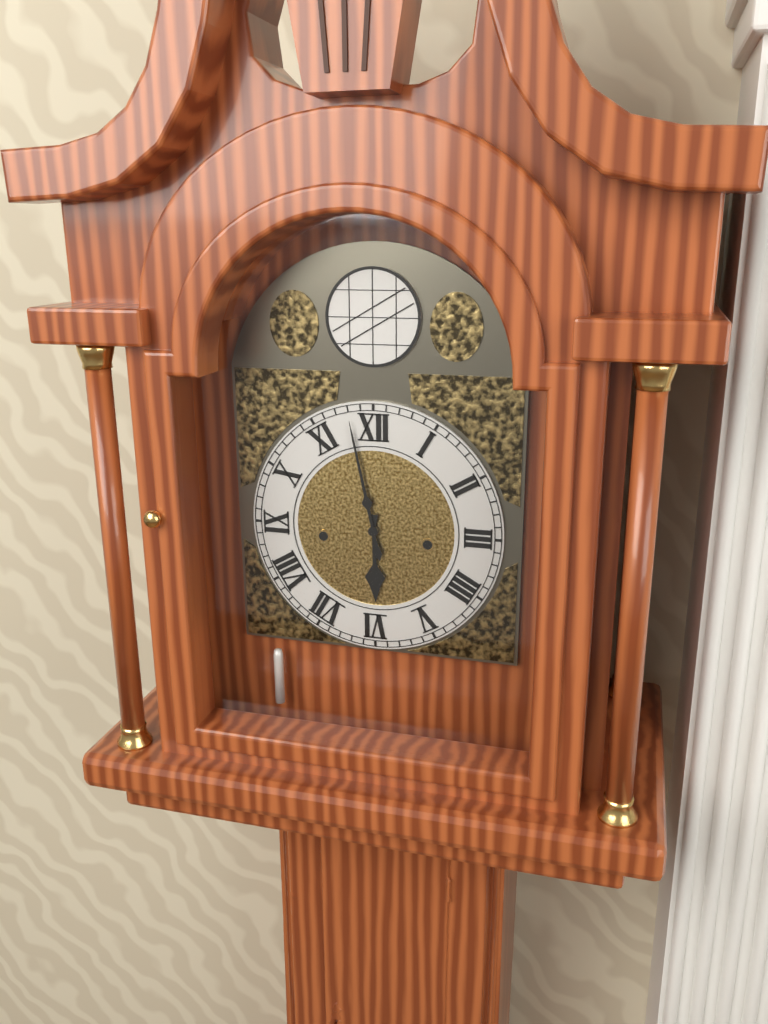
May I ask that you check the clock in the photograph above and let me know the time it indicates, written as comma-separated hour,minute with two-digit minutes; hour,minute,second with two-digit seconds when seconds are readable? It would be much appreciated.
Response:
5,58
